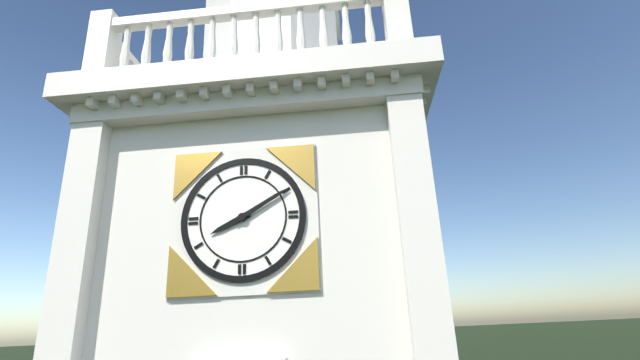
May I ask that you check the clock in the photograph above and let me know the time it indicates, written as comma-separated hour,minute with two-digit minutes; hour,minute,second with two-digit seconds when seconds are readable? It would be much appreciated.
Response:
8,10
